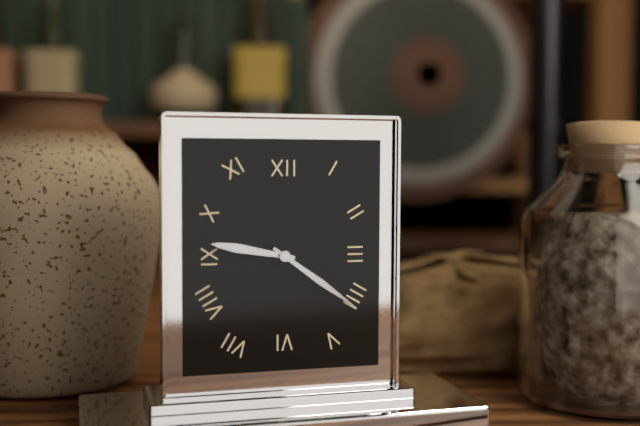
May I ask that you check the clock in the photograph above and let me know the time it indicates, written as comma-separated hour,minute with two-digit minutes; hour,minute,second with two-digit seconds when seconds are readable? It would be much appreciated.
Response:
9,21
